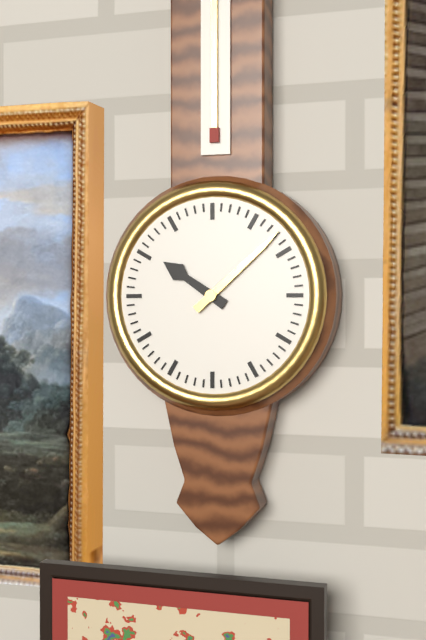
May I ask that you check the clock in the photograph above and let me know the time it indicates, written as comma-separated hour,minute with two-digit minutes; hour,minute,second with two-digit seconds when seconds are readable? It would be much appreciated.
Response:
10,08
